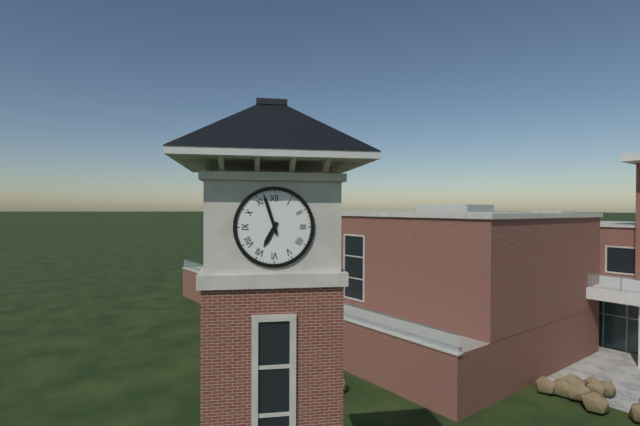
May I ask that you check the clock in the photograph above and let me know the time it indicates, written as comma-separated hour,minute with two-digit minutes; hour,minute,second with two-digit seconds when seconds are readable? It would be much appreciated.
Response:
6,57
